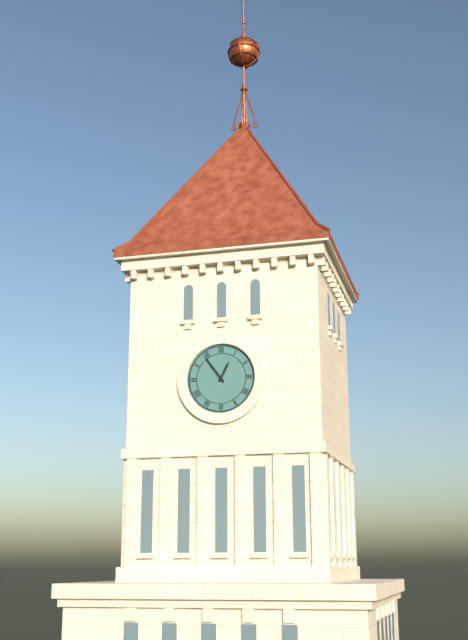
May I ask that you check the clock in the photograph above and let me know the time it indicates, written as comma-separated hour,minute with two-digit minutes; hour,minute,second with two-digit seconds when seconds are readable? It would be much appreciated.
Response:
12,54
